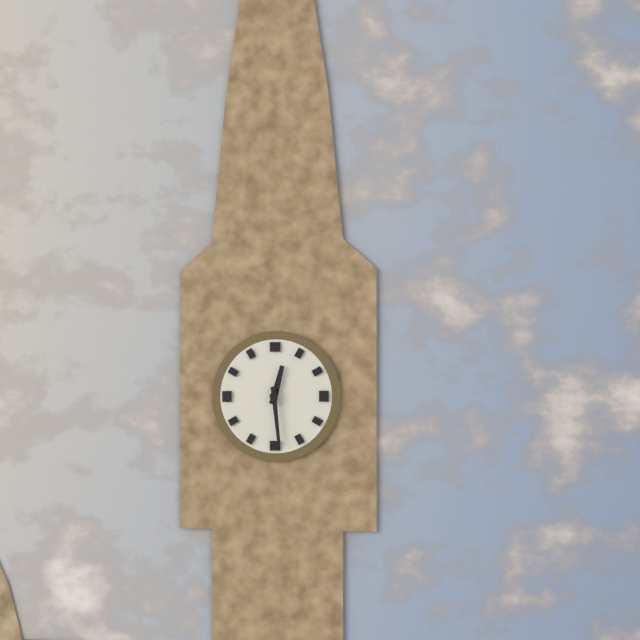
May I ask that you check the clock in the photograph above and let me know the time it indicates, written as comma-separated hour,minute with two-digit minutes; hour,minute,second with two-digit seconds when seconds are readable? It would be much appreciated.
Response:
12,29
